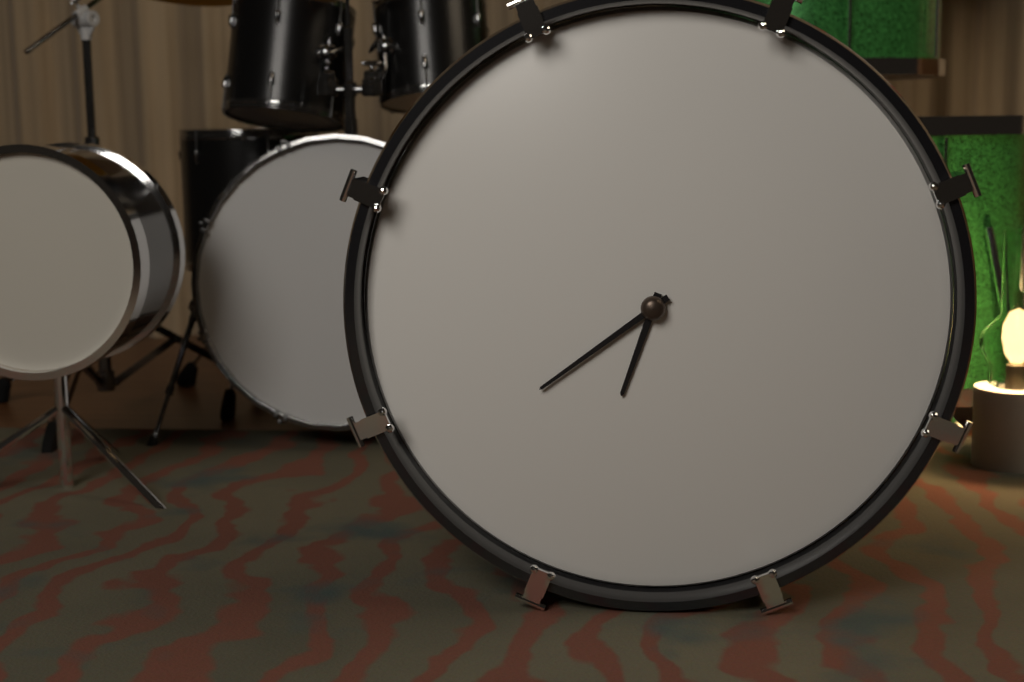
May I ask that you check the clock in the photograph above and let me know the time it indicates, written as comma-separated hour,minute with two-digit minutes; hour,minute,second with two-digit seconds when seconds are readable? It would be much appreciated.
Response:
6,39
